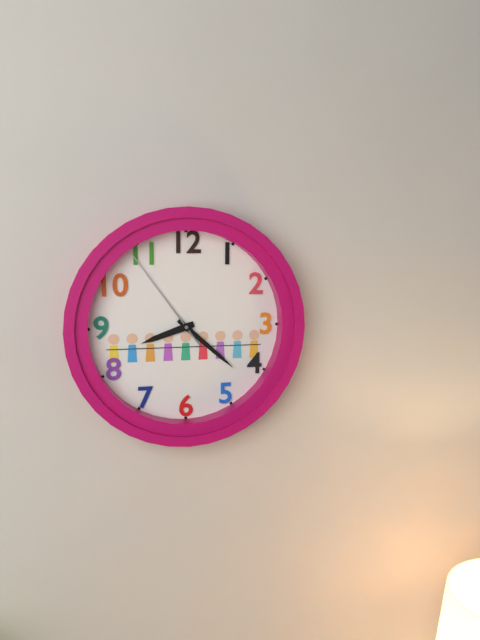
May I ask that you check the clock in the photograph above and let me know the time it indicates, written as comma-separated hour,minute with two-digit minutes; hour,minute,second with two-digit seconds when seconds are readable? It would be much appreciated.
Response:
8,22,54
